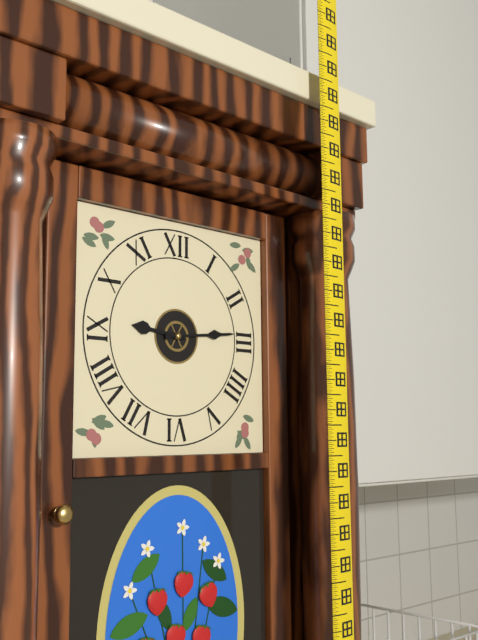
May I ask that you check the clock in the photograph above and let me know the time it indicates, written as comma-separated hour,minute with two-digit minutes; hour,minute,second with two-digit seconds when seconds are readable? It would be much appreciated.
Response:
9,14
